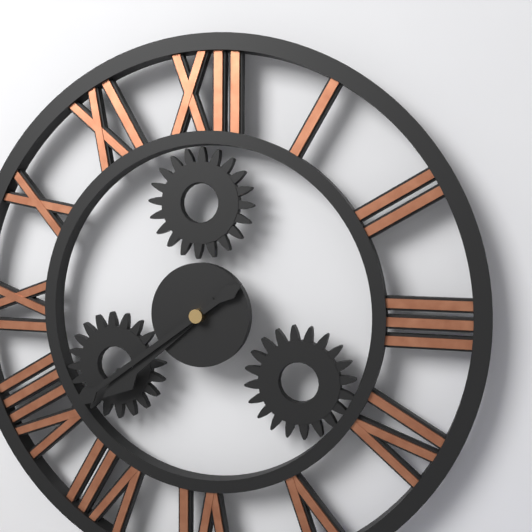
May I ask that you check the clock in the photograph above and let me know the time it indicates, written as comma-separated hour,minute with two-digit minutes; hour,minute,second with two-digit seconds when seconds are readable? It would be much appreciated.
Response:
7,39
